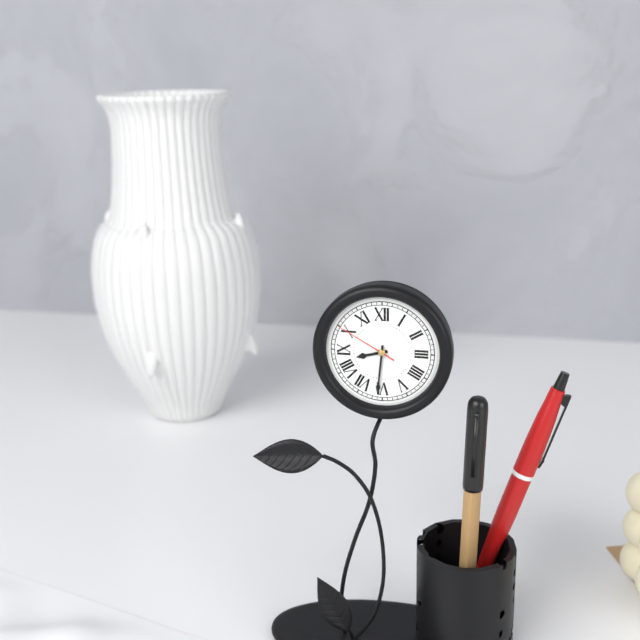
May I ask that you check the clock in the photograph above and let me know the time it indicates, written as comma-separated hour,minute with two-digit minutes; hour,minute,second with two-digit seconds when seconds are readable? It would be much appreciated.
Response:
8,31,50
